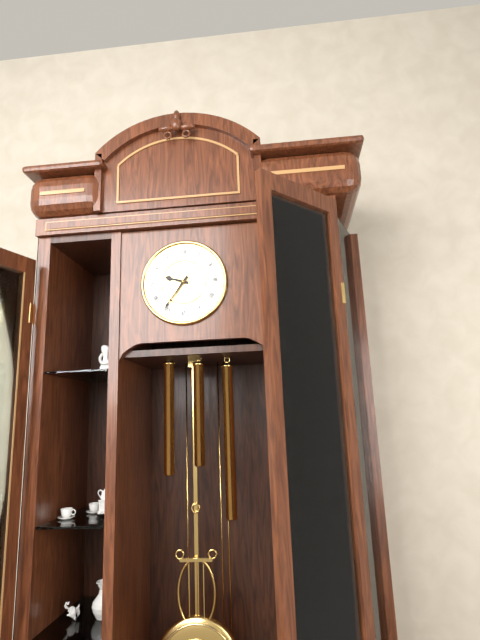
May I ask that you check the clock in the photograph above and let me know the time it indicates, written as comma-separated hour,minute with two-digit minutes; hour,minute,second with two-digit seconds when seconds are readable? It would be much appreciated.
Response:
9,36
